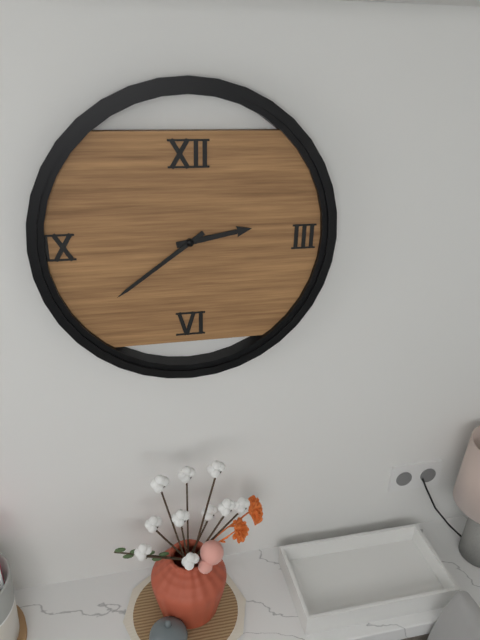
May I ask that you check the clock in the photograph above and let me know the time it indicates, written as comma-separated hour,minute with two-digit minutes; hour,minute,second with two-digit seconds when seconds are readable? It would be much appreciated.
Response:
2,39
